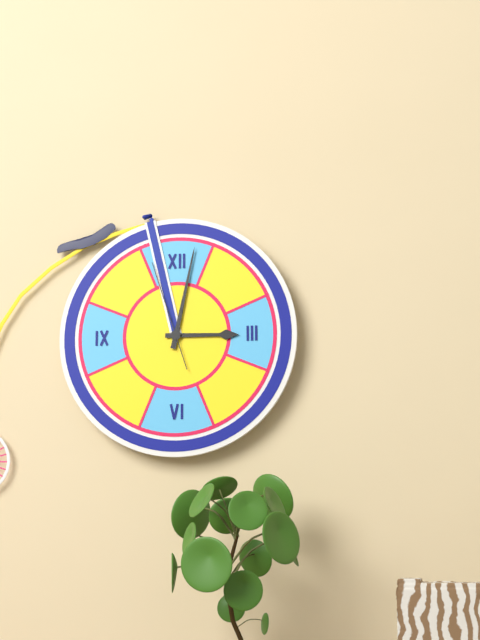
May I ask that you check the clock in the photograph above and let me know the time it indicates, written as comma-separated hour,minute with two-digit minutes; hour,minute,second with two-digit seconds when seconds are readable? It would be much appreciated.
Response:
3,02,57
